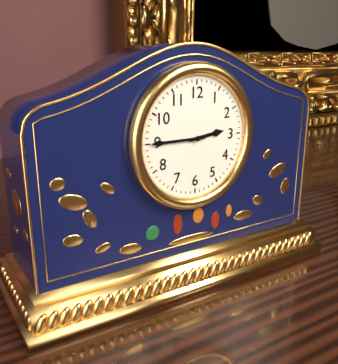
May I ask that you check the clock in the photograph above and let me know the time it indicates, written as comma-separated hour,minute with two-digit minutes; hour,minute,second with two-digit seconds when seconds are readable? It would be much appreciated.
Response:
2,45
